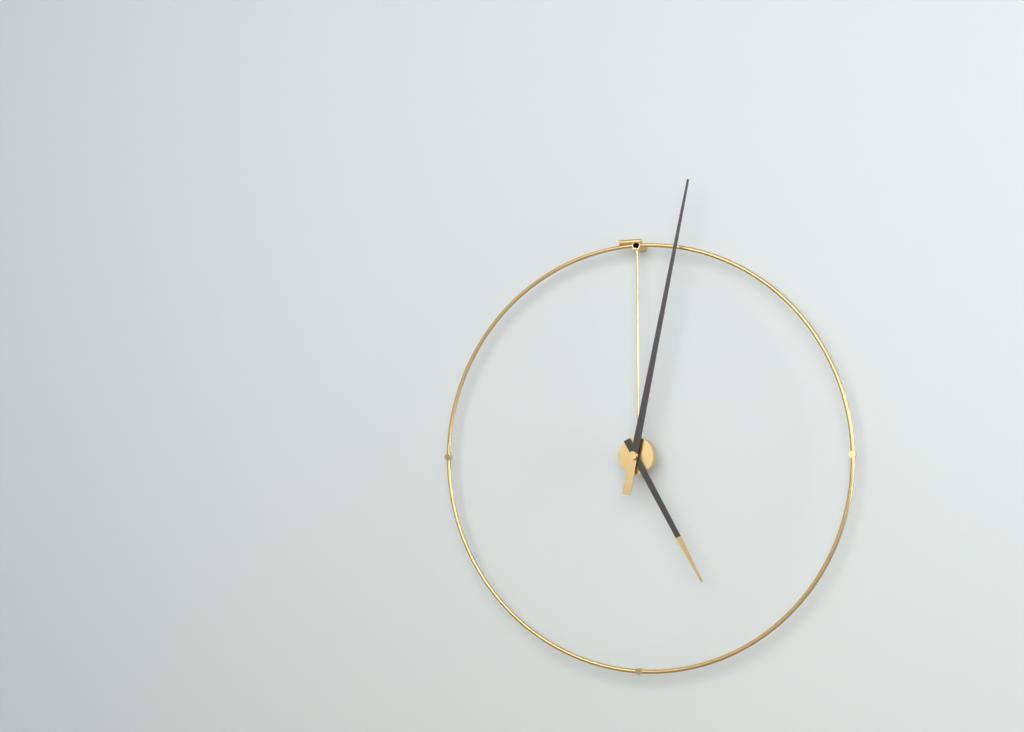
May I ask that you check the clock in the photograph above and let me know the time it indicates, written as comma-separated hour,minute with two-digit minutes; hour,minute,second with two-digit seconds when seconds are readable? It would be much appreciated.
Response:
5,02
